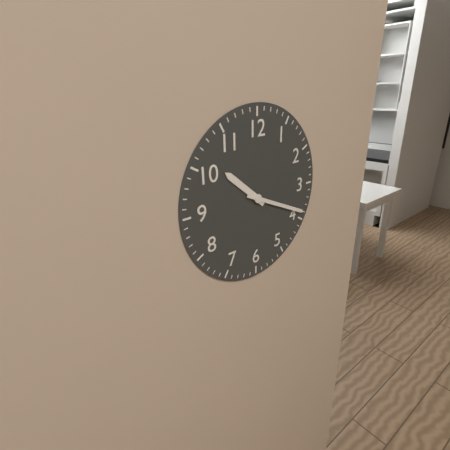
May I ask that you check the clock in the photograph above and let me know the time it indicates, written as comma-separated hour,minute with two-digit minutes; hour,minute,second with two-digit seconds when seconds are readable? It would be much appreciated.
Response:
10,19
